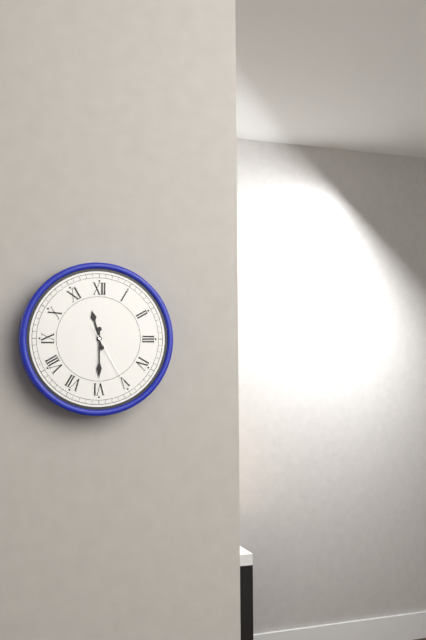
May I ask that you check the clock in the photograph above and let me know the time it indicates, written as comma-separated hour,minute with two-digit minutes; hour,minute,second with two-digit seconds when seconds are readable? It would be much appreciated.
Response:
11,30,25
